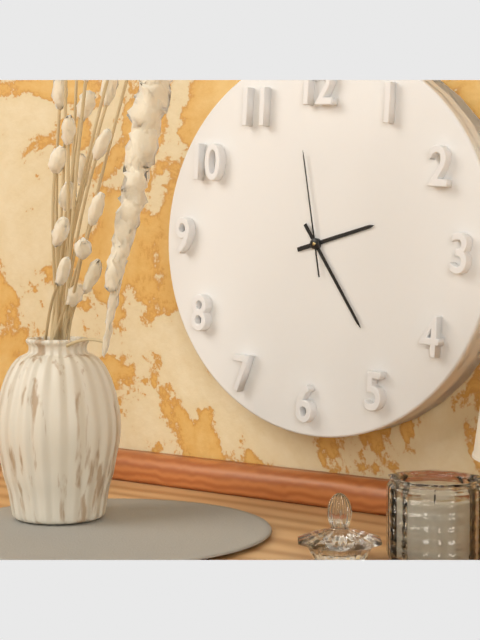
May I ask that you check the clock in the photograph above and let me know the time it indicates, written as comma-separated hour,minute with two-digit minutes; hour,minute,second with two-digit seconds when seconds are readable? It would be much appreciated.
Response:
2,24,58
